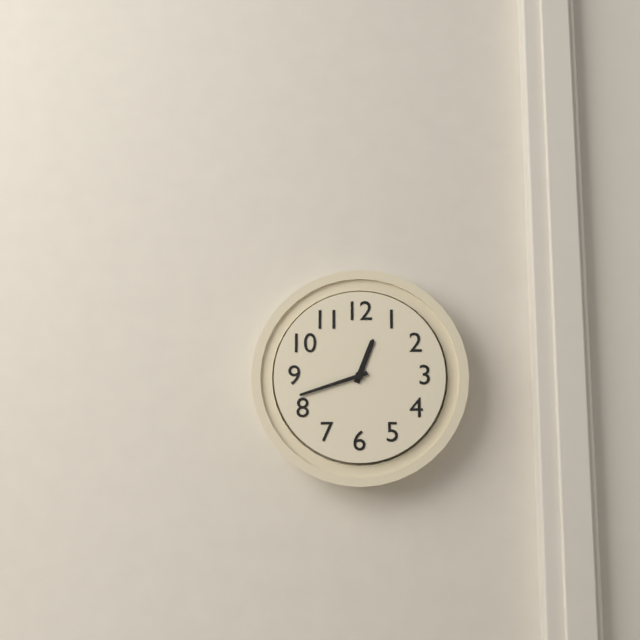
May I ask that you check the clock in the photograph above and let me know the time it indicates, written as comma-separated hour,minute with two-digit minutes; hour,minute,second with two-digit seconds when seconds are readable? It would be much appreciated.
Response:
12,42
